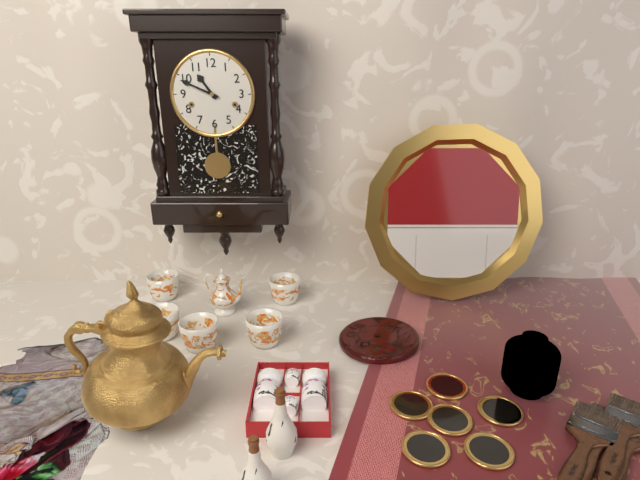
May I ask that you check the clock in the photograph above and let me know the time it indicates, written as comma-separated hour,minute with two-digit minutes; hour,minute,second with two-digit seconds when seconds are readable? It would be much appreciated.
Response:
10,49
